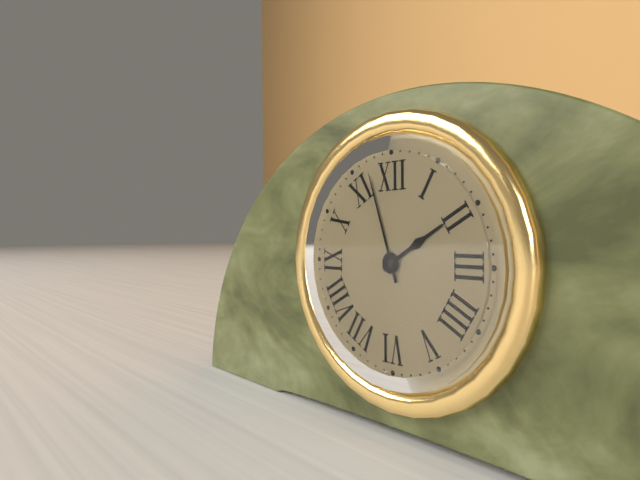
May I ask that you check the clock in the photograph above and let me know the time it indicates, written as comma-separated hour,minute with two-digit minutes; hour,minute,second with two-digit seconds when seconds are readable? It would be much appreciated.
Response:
1,57
